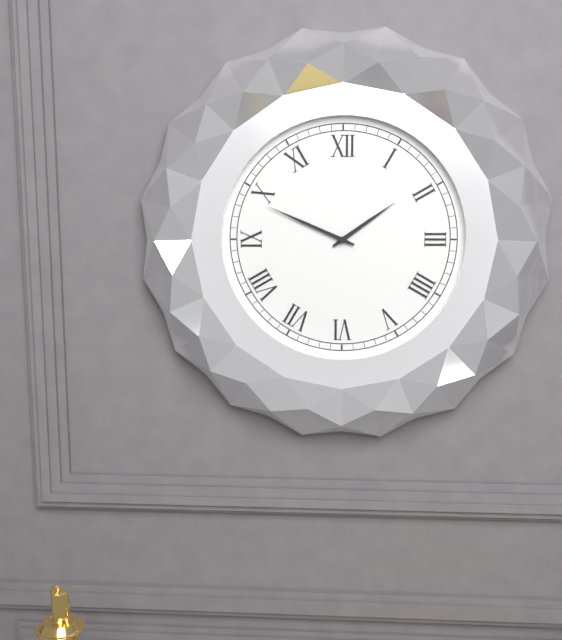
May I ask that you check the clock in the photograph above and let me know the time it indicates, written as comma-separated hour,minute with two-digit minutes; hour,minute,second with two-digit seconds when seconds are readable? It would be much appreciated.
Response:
1,49
